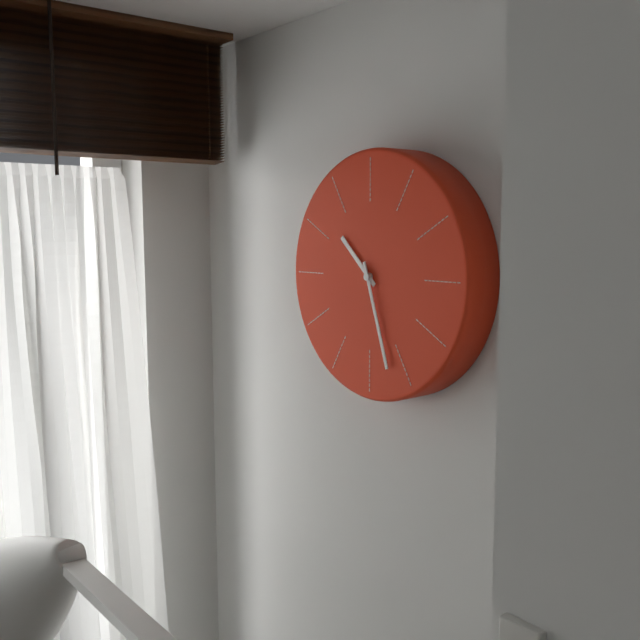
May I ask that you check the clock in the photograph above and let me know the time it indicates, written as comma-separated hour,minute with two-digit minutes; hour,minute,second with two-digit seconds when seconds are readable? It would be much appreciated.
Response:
10,27
